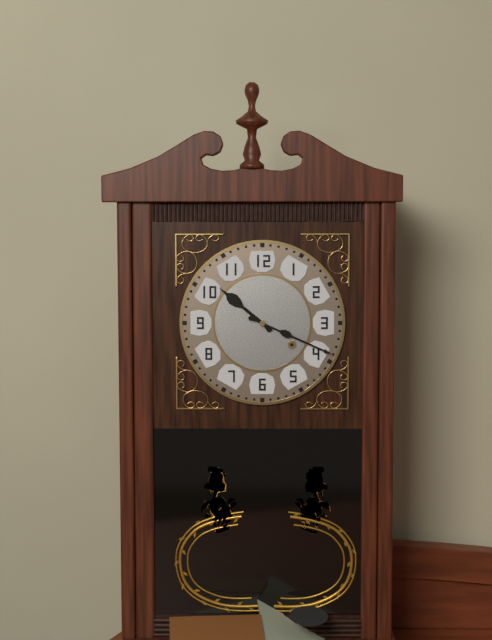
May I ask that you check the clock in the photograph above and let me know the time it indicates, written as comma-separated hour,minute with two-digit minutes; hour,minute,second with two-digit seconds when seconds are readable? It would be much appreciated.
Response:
10,19
